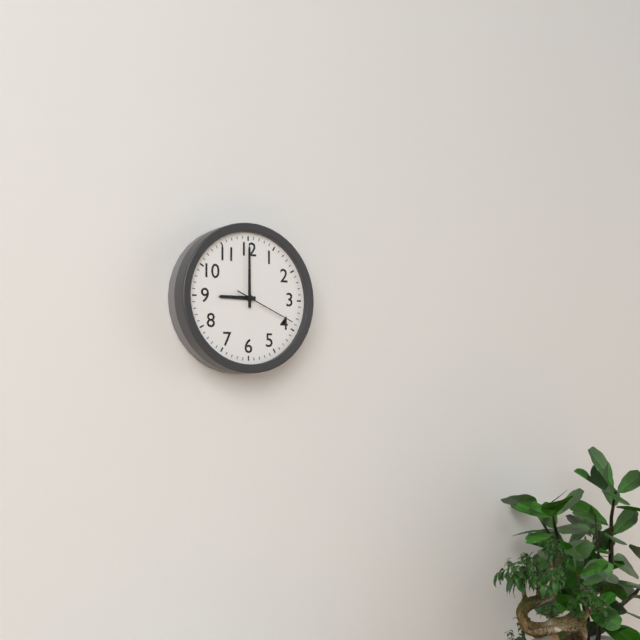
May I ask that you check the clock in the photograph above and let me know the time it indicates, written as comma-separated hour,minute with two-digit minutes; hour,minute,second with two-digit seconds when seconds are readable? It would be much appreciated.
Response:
9,00,19
